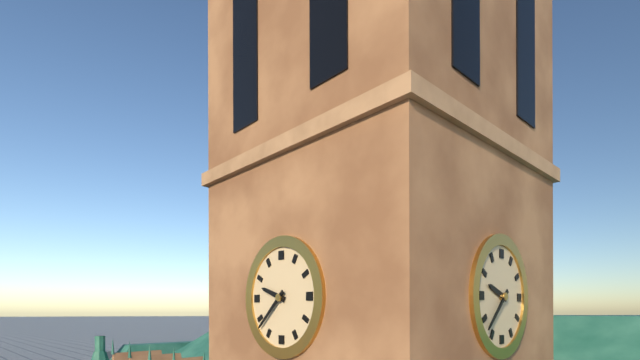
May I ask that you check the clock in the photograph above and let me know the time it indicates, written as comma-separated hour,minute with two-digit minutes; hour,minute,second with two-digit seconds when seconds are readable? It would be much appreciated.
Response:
9,38
